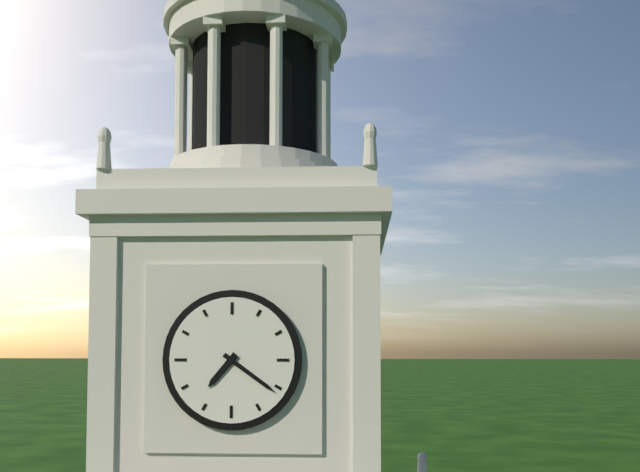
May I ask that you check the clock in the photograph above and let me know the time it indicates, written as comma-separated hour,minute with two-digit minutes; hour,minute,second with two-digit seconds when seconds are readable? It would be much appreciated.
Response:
7,21
